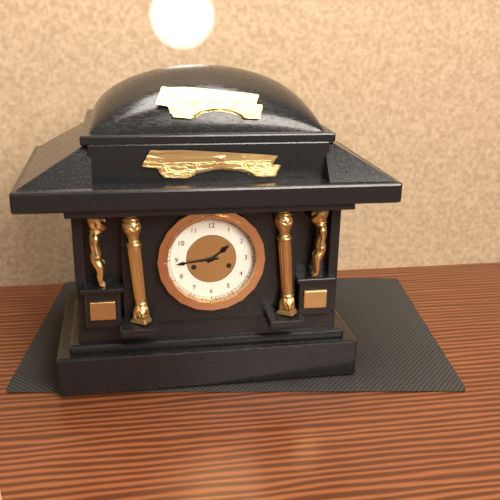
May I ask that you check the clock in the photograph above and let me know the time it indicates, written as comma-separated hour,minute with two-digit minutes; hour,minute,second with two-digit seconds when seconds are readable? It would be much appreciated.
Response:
1,44
